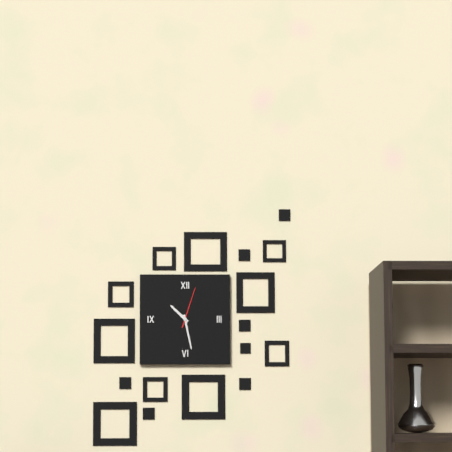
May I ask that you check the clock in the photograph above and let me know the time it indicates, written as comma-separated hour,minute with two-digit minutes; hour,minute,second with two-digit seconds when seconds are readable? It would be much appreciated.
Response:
10,28
